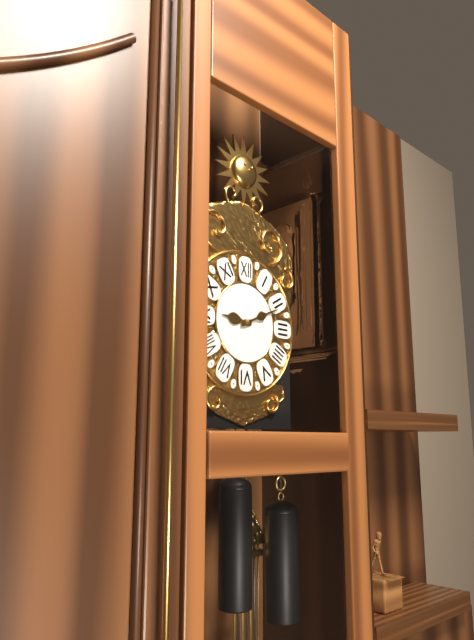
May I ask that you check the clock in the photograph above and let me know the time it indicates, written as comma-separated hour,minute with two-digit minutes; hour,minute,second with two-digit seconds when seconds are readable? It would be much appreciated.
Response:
9,11
